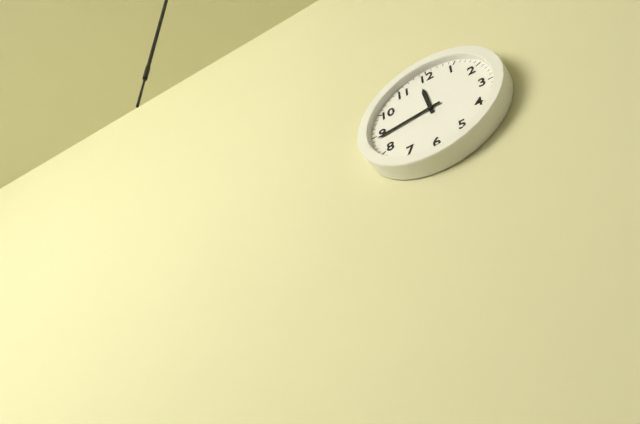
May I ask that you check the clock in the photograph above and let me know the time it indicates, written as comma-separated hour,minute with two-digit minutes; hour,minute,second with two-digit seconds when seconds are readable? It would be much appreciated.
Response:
11,44
